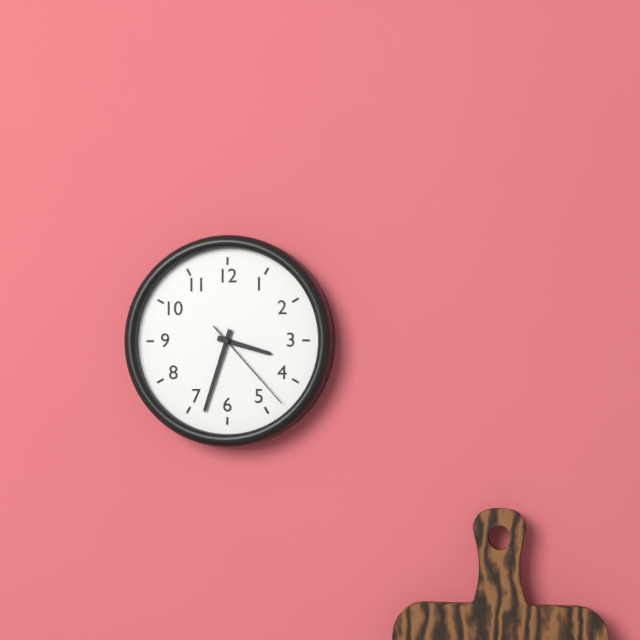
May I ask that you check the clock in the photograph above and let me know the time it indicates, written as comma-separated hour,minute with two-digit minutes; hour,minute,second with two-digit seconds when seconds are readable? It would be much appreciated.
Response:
3,33,23
